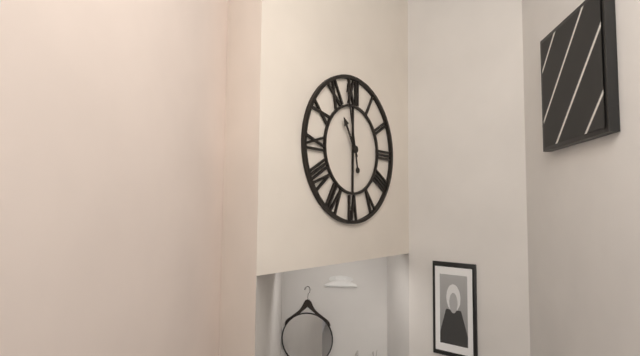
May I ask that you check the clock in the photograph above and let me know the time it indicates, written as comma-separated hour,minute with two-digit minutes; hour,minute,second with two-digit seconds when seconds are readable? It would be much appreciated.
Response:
10,58
